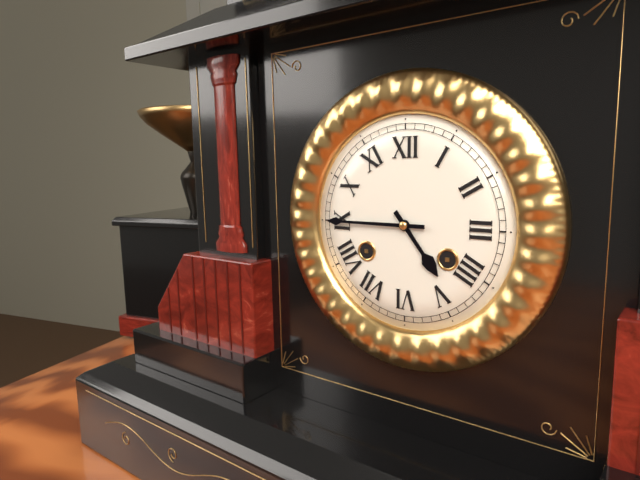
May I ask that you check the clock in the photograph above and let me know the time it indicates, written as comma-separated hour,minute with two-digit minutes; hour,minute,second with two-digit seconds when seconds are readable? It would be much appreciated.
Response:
4,45
